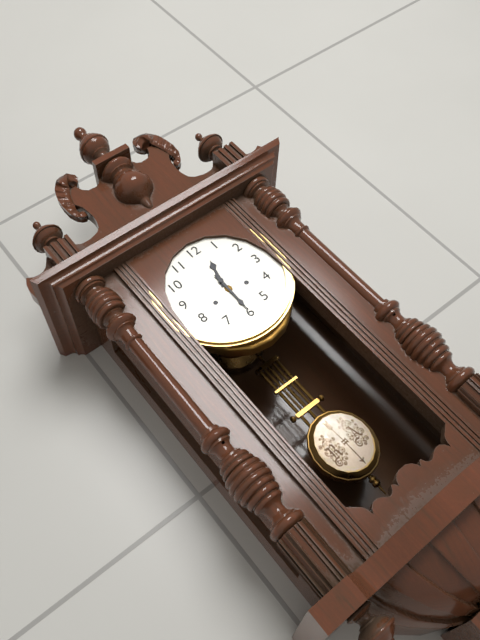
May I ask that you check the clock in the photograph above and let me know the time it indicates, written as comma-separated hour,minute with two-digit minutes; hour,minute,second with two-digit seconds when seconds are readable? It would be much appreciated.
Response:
12,30
